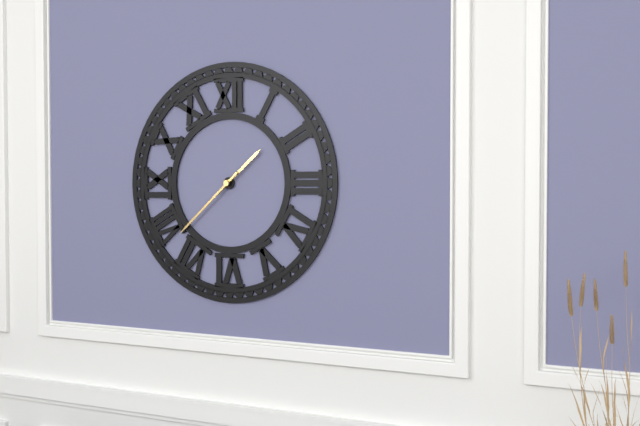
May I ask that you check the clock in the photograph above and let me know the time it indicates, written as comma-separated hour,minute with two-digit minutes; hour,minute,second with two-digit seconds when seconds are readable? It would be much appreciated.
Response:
1,38
